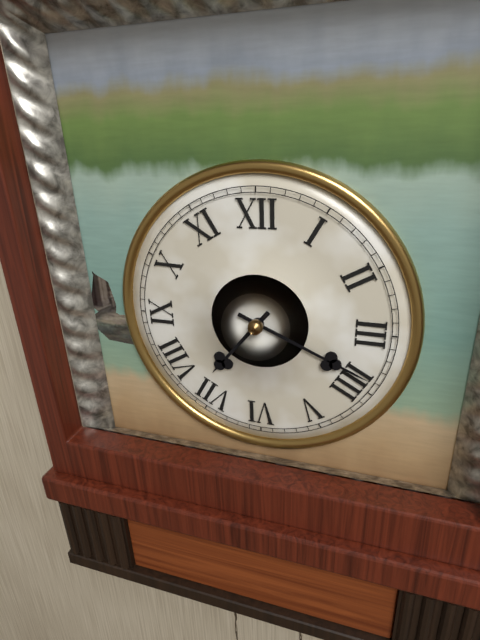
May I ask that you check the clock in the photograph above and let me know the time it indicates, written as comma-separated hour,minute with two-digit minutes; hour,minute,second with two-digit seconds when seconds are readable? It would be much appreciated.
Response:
7,19
